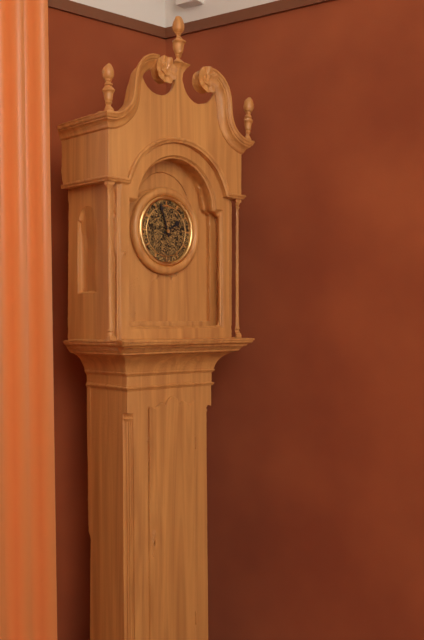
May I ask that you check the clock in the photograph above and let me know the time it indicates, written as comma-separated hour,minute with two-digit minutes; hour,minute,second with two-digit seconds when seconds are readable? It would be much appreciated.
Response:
1,57
